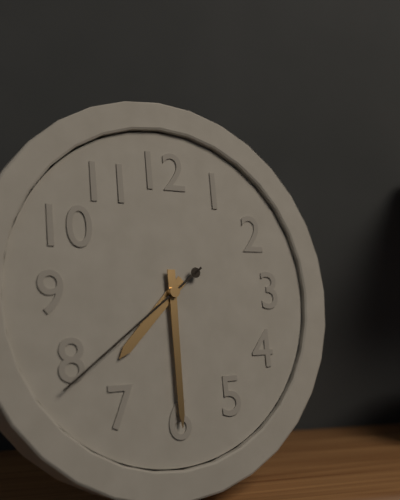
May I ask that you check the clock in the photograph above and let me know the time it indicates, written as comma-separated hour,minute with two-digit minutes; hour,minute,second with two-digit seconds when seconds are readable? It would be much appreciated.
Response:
7,30,39
